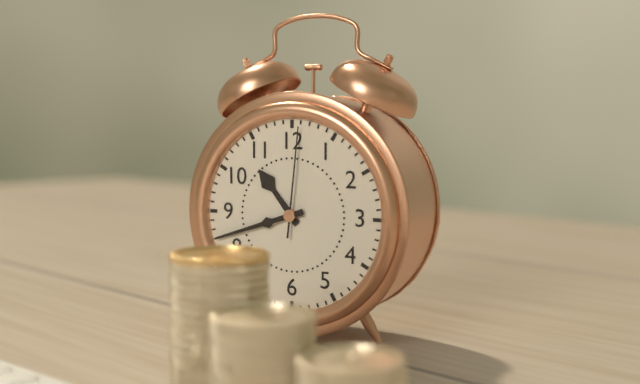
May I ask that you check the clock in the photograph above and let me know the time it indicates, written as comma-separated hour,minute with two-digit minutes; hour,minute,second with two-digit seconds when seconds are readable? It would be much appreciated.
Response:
10,42,01
